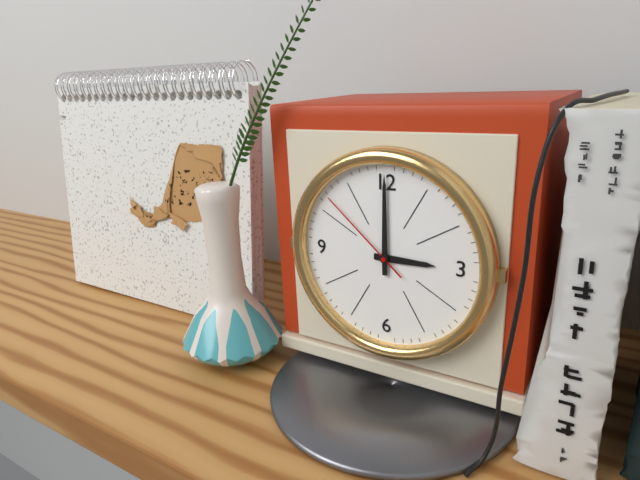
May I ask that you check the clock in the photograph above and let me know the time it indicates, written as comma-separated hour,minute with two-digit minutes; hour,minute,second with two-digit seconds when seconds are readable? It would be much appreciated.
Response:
3,00,52
